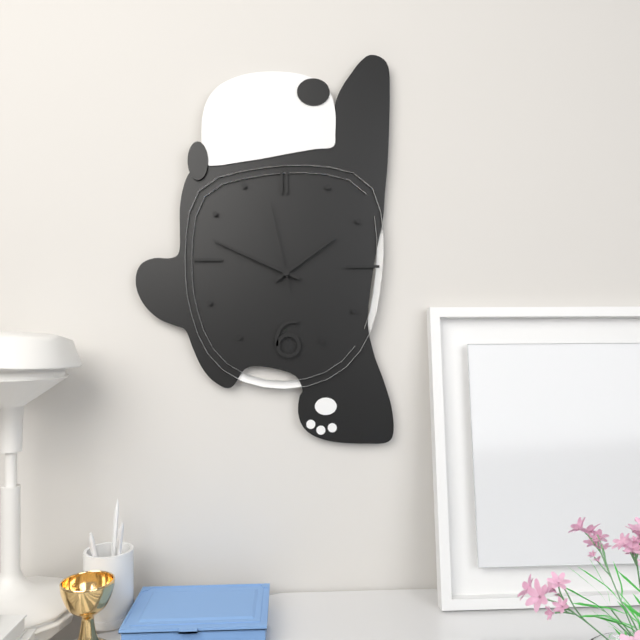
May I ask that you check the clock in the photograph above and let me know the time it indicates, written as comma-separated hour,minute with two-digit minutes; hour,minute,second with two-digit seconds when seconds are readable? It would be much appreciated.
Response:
1,49,58
